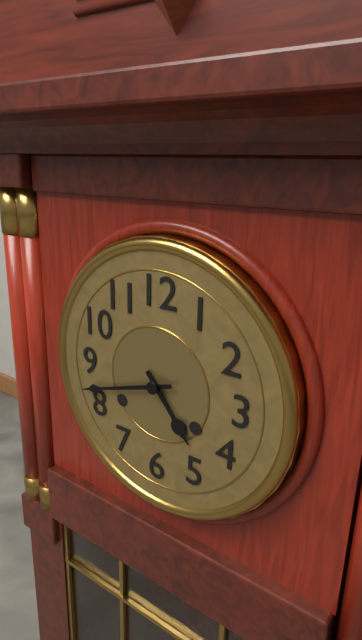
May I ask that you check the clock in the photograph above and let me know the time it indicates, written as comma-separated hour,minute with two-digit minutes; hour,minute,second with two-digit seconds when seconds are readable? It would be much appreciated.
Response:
4,42
